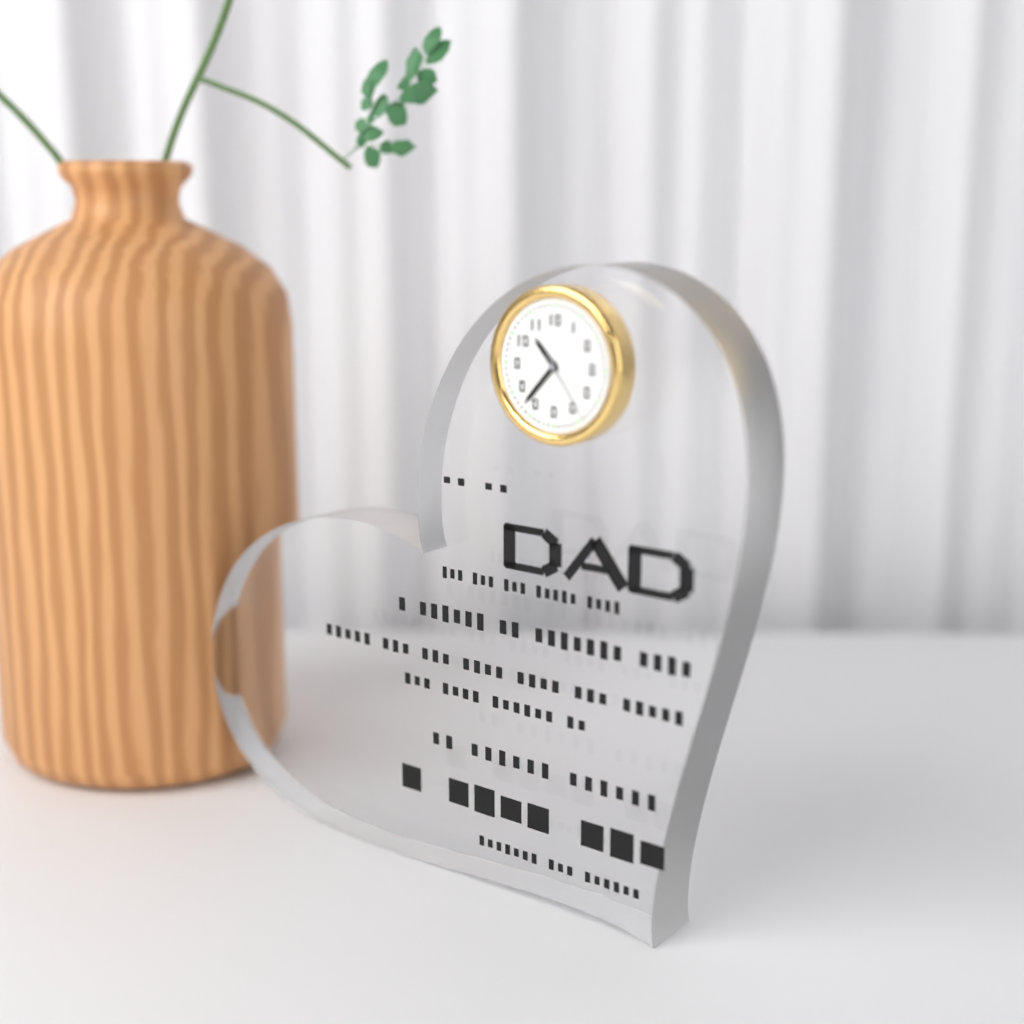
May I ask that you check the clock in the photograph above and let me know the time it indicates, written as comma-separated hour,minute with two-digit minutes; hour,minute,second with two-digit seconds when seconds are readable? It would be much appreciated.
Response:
10,37,24
